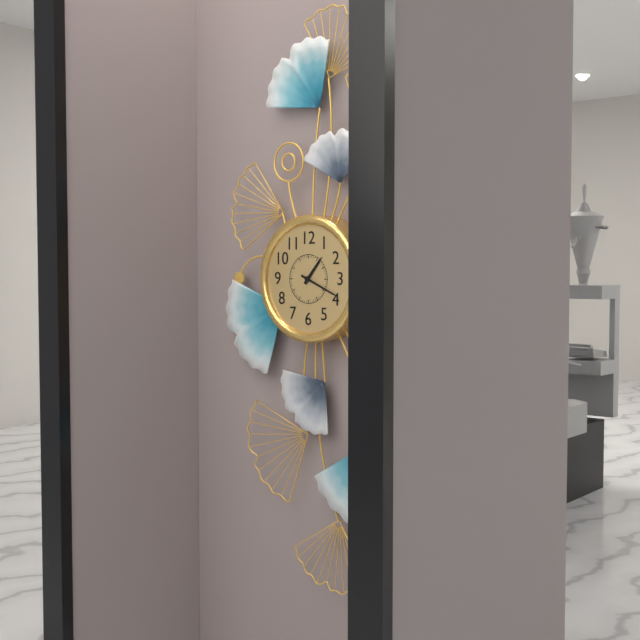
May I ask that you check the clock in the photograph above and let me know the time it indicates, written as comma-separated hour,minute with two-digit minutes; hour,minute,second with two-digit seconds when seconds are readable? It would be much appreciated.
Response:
1,19
